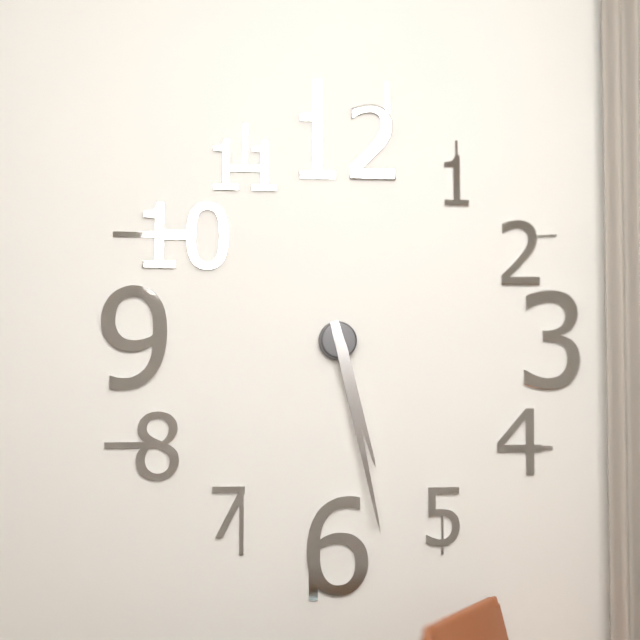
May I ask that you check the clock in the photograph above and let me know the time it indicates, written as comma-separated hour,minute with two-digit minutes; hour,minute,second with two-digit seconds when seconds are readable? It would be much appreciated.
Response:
5,28
